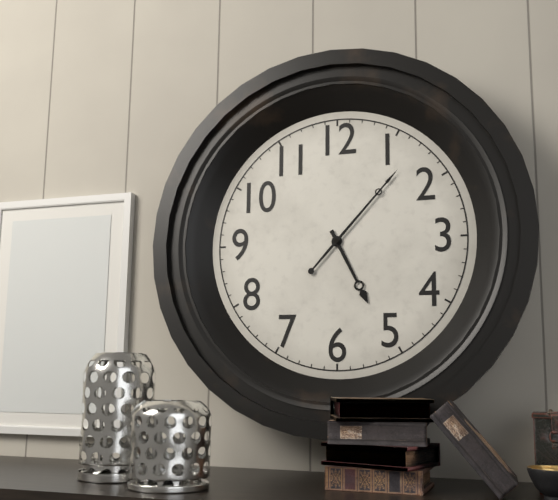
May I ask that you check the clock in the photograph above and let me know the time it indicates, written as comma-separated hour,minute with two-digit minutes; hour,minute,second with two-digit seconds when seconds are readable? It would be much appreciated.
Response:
5,07
